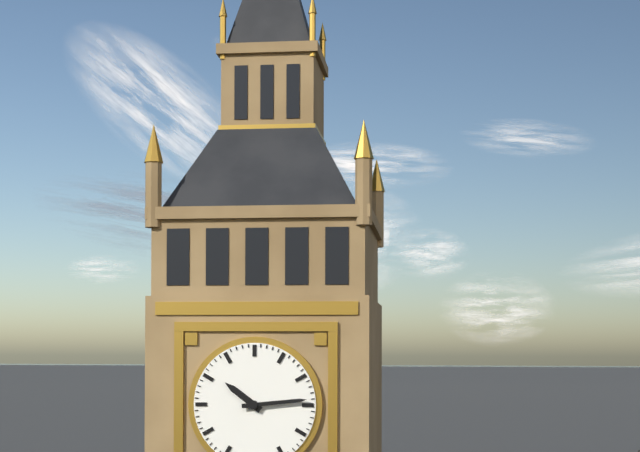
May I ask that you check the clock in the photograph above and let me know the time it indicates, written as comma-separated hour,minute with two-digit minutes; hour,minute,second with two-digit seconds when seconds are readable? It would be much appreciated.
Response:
10,14
